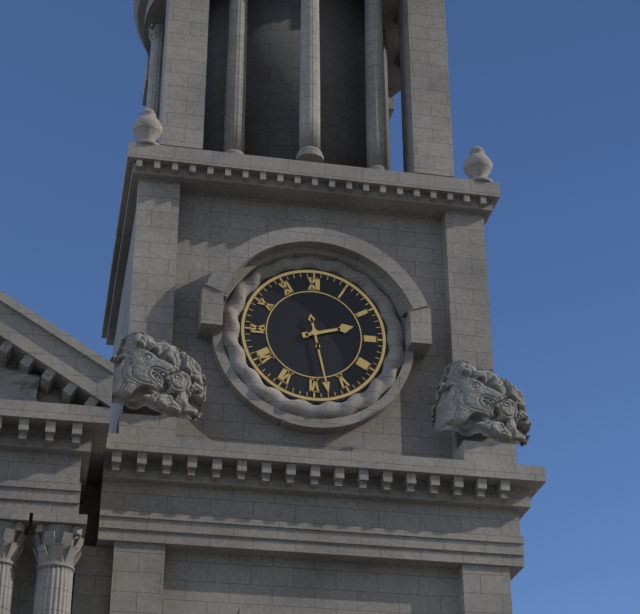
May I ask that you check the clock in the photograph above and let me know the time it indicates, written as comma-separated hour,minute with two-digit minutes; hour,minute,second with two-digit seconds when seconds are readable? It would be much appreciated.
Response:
2,28
